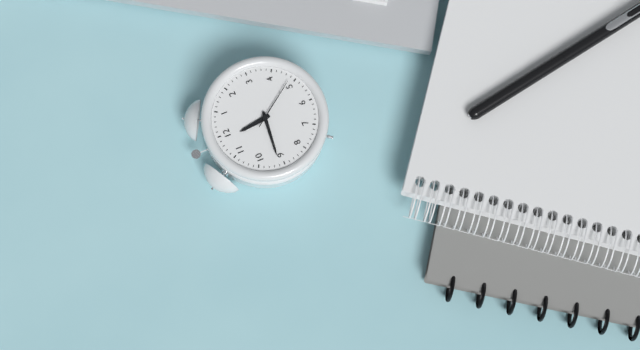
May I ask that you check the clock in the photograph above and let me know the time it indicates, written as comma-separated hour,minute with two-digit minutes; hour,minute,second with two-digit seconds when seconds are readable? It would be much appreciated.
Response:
11,46,24
